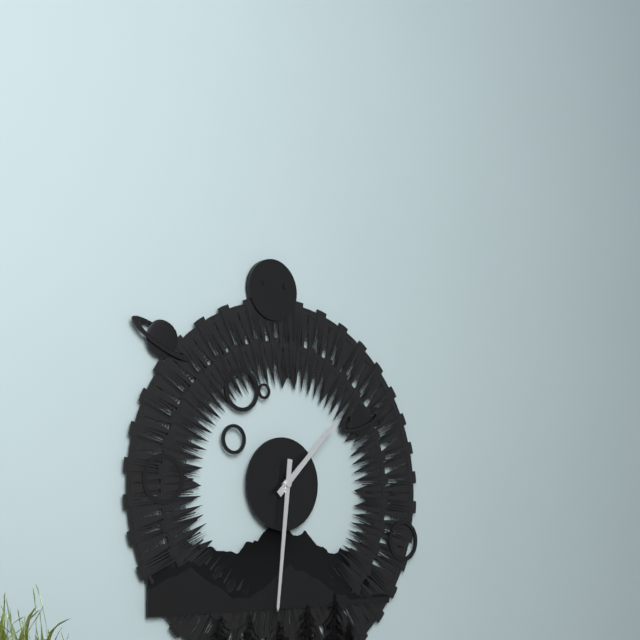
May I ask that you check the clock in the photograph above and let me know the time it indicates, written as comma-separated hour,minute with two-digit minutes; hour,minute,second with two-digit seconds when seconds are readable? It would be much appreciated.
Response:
1,31
